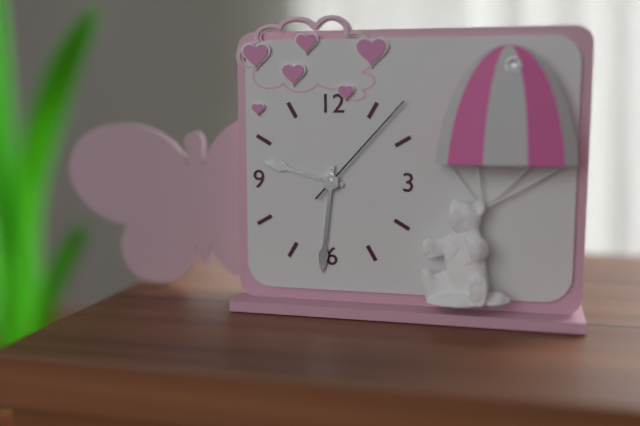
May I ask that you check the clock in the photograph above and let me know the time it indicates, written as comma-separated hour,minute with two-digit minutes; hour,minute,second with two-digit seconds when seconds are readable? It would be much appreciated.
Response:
9,31,07
